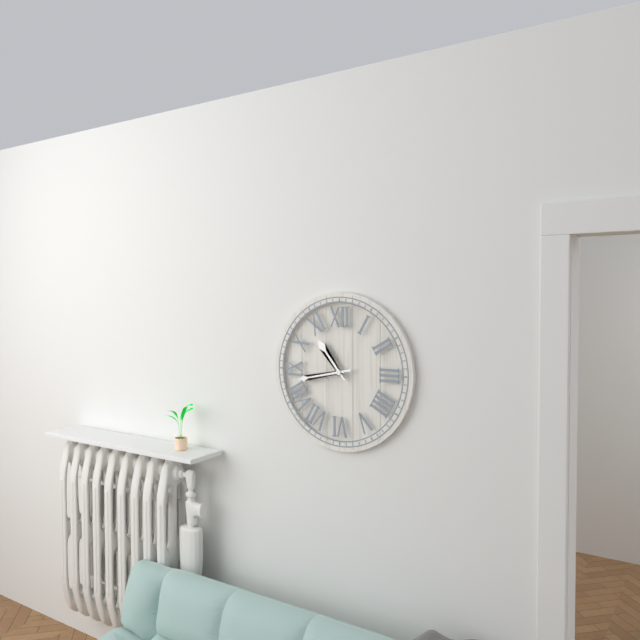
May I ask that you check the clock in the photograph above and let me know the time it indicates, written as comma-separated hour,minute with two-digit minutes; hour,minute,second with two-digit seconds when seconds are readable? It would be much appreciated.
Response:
10,43
